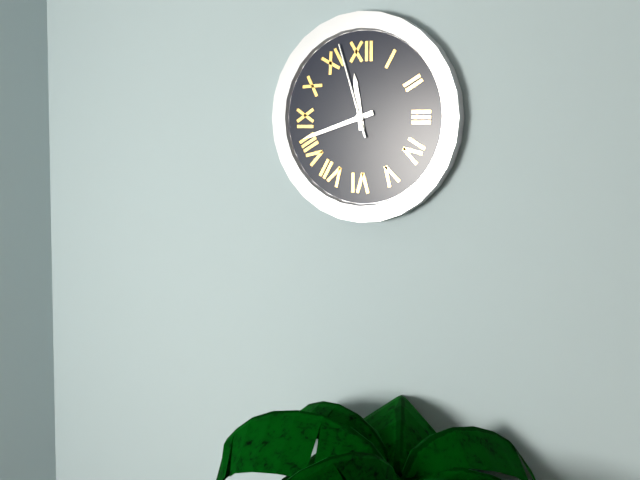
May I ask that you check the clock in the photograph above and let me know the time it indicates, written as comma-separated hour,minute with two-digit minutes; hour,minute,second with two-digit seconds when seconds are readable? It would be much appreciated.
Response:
11,42,57
